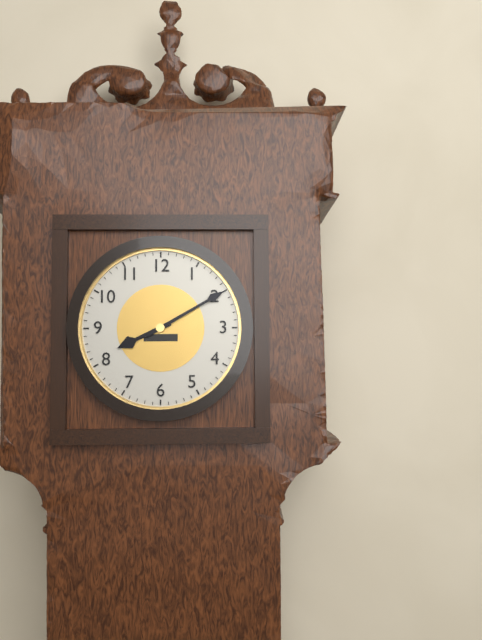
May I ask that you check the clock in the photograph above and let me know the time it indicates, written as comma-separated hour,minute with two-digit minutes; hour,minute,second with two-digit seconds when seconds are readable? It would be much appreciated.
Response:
8,10
